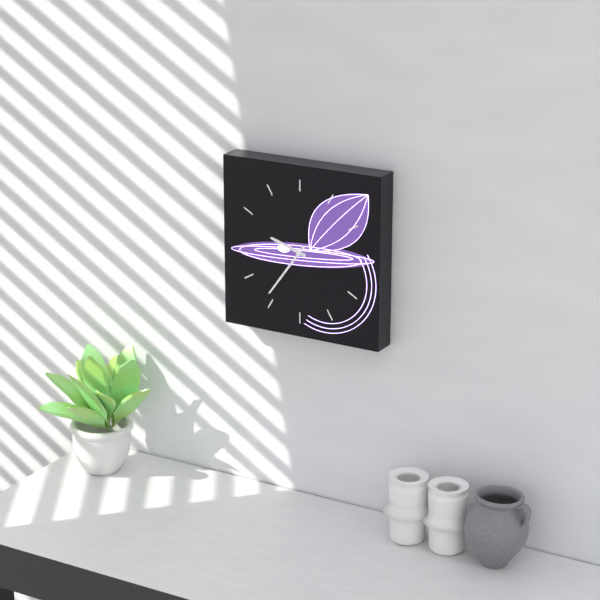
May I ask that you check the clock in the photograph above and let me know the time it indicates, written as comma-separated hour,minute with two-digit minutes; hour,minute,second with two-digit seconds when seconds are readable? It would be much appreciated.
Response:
9,36
